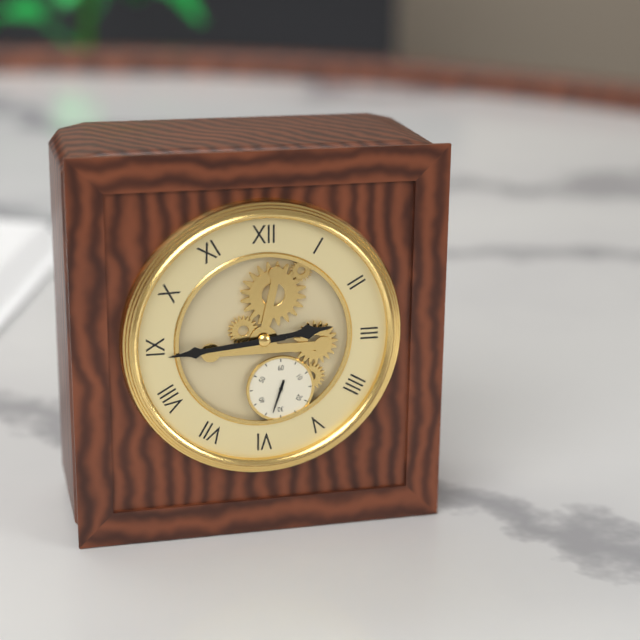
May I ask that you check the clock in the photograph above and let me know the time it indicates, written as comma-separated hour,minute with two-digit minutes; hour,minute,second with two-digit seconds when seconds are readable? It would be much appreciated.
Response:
2,44
